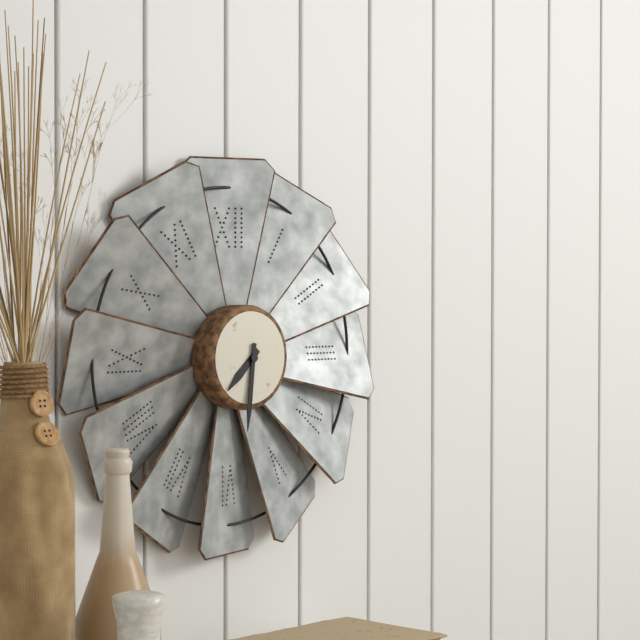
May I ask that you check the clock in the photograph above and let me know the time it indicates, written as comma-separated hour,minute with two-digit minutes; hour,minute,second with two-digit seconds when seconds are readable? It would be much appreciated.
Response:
7,31
